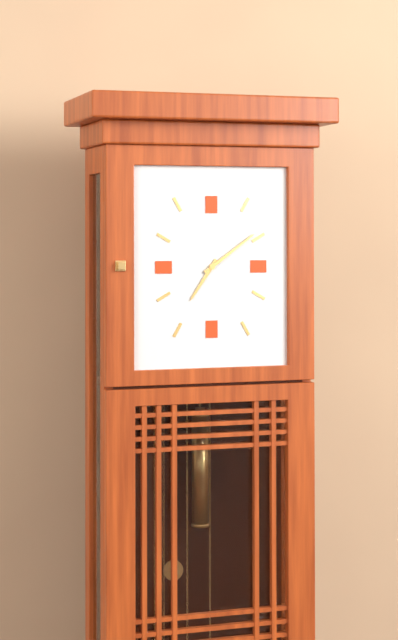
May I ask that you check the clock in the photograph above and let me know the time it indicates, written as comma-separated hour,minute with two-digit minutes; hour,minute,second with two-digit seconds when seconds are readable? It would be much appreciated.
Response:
7,09
